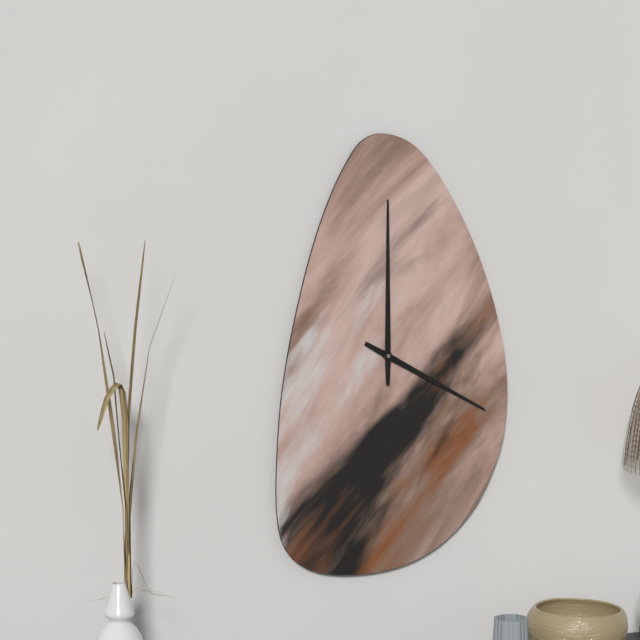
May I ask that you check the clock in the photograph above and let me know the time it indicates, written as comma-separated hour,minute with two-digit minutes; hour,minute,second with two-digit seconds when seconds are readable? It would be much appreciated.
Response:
4,00
